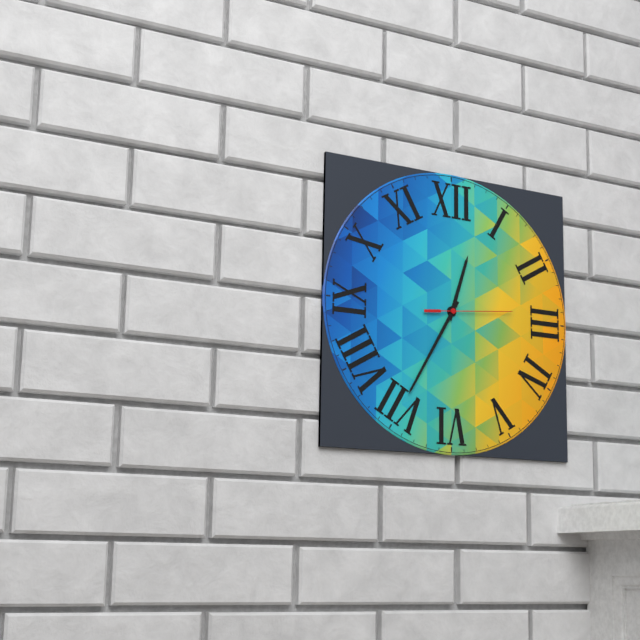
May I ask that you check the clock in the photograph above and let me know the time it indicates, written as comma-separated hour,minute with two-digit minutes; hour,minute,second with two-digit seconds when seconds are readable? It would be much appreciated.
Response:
12,35,14
